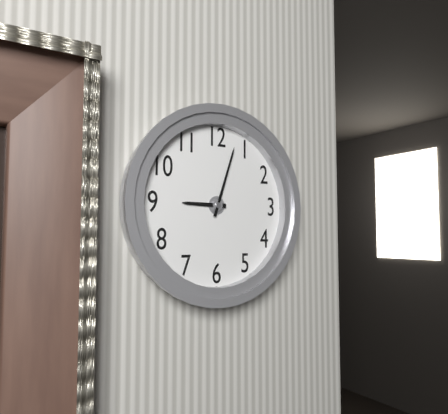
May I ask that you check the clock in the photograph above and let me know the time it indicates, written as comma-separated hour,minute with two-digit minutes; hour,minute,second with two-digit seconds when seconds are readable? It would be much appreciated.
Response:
9,03
